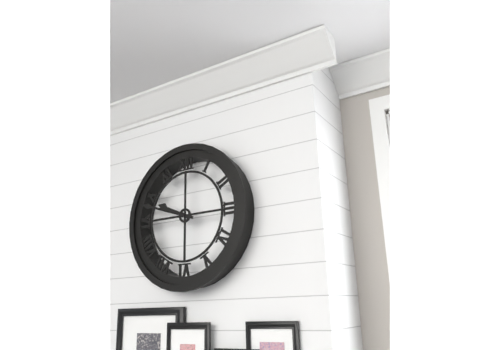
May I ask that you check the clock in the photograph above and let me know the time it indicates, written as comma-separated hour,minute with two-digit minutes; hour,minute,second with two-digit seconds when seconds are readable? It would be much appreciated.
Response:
9,48
